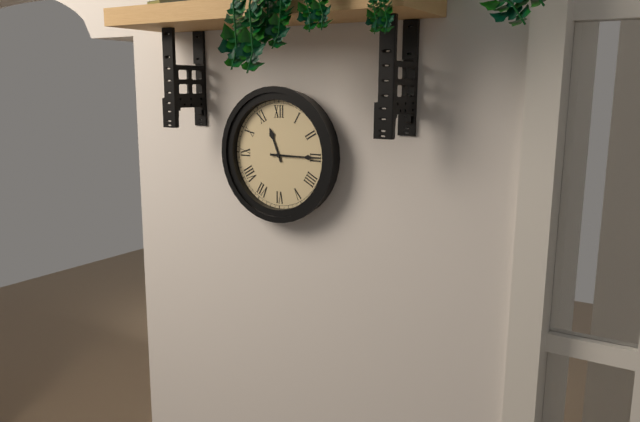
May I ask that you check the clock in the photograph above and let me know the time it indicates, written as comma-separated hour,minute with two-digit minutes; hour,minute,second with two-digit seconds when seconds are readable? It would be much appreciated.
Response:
11,15
